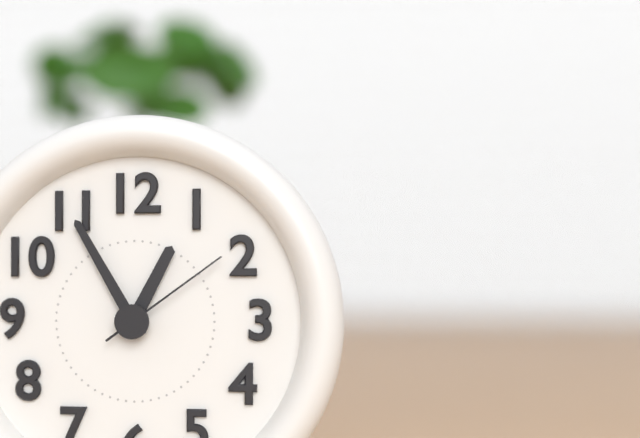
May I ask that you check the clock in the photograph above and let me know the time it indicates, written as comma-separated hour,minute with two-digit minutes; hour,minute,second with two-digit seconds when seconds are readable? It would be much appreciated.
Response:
12,55,09
